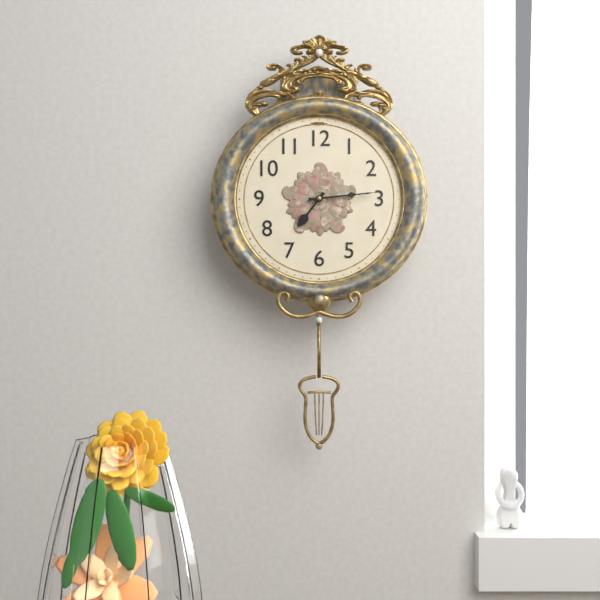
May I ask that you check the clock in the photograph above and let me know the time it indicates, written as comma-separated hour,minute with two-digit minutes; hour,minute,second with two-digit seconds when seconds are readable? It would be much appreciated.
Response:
7,14
